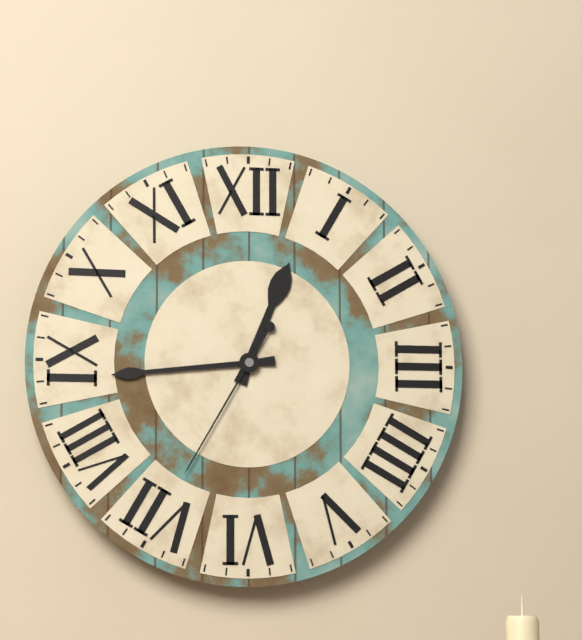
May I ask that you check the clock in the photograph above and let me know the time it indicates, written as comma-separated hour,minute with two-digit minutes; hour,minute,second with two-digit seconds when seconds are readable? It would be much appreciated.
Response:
12,44,35
